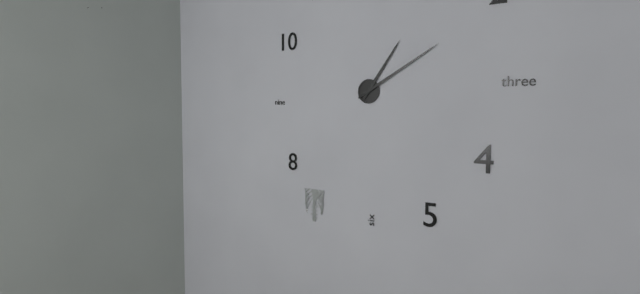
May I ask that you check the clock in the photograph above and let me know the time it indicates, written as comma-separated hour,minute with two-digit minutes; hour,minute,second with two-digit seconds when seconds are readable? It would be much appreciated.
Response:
1,10
